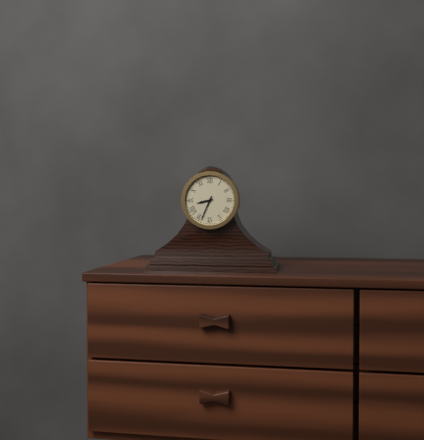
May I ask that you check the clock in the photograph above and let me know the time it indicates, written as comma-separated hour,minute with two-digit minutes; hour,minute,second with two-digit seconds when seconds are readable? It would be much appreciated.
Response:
8,34
